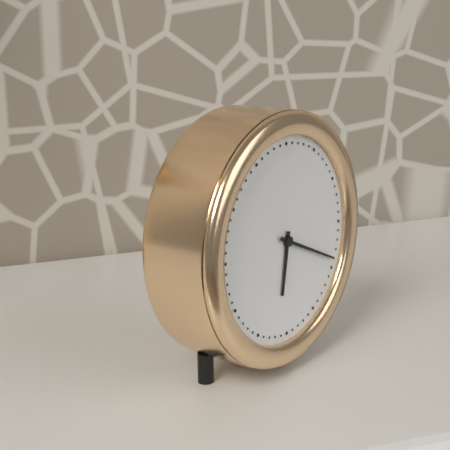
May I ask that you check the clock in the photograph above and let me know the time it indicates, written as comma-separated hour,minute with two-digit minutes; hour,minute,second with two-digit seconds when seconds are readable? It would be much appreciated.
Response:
6,19
